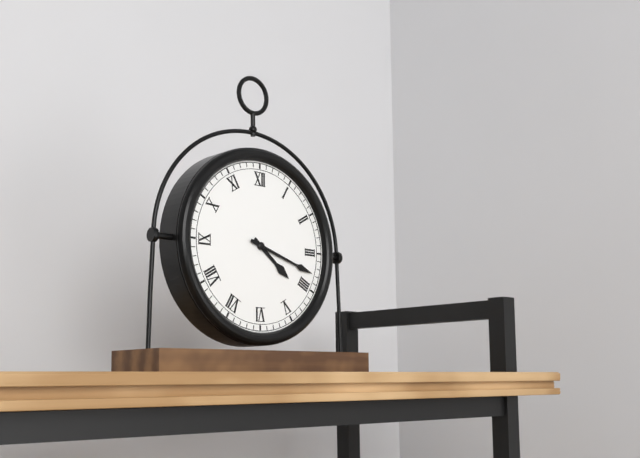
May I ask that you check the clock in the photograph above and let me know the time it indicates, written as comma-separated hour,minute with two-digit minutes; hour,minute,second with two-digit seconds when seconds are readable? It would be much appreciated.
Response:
4,18
